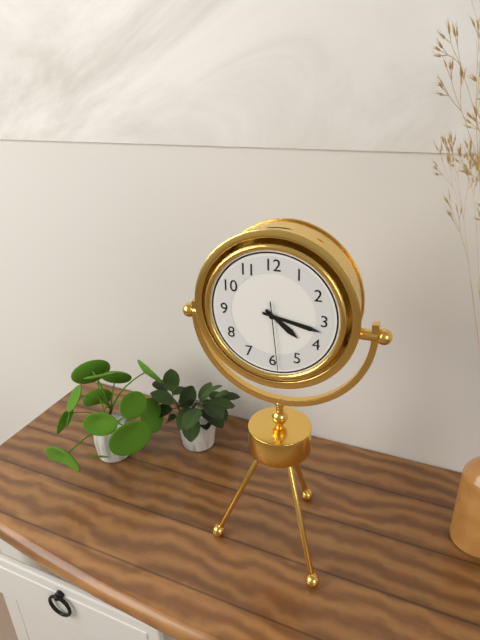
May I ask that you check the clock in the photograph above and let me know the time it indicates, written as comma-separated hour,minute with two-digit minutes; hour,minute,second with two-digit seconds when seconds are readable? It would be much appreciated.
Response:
4,17,29
